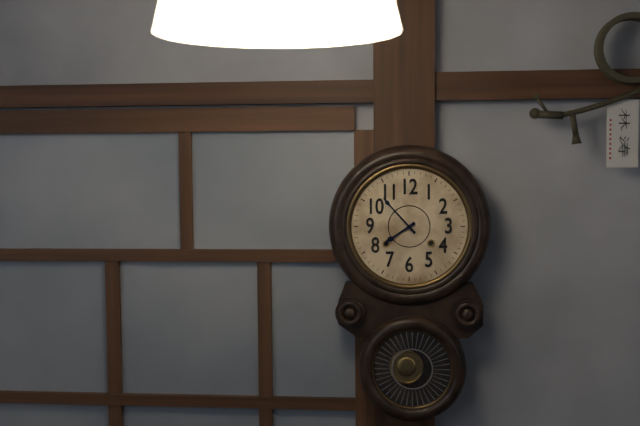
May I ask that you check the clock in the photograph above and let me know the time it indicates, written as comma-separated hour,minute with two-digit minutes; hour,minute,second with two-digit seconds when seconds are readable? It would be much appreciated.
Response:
7,53
